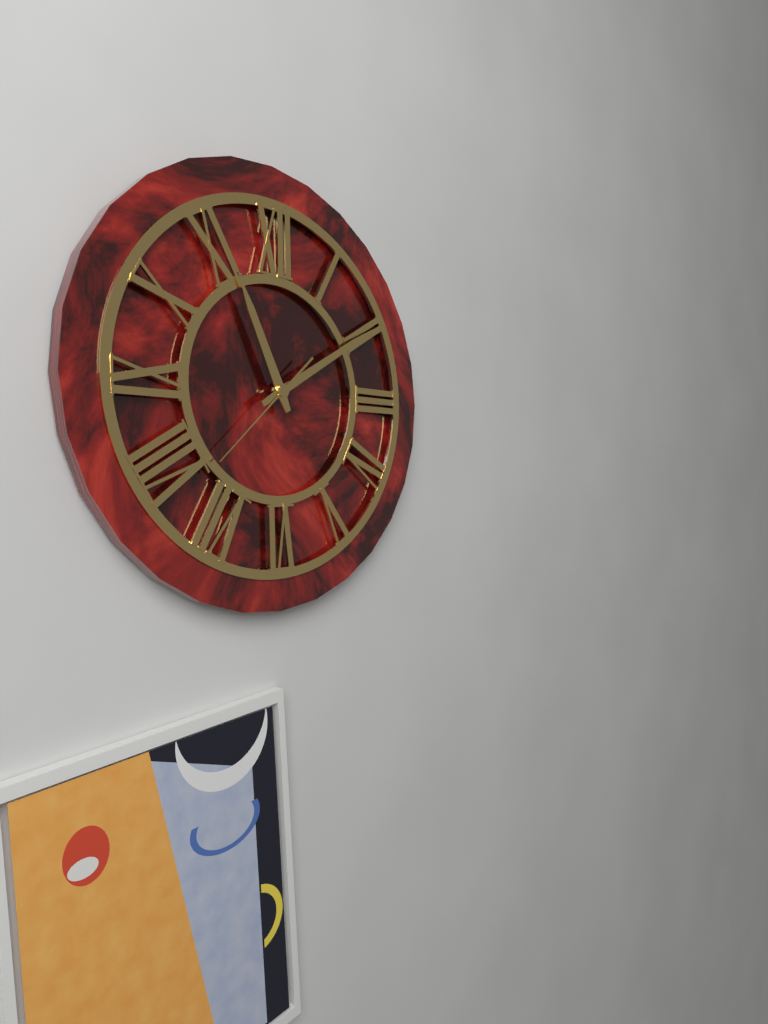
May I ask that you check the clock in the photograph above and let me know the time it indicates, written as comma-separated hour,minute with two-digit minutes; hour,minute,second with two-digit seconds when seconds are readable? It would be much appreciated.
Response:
11,10,38
